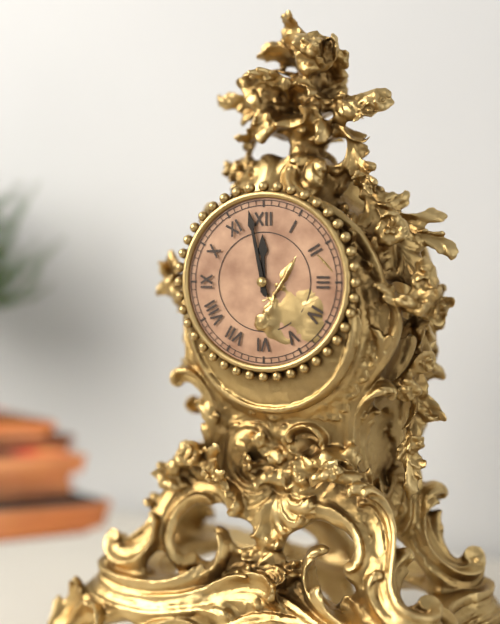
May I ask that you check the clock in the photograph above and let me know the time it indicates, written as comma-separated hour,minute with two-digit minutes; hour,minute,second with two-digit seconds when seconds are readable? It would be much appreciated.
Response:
11,58
